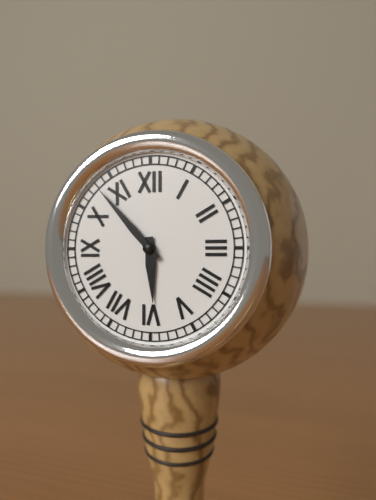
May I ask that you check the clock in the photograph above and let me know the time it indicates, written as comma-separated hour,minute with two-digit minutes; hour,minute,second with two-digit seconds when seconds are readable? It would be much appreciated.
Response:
5,53
